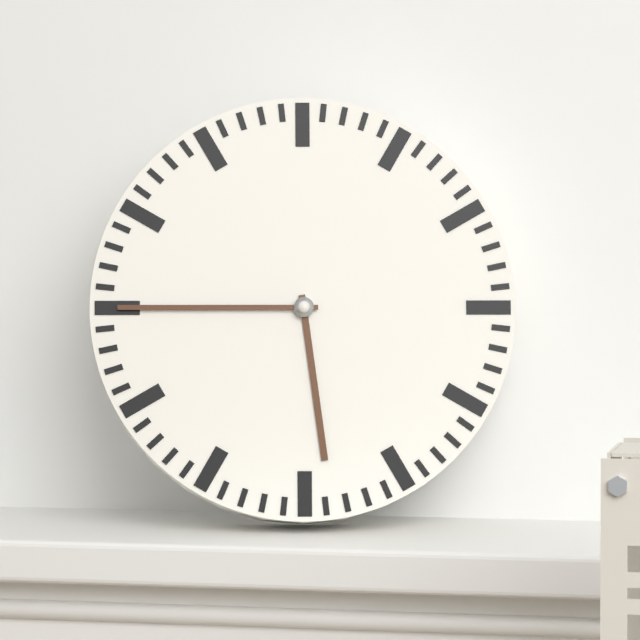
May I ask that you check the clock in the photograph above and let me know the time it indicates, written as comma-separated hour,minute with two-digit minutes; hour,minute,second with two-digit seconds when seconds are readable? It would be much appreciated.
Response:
5,45
